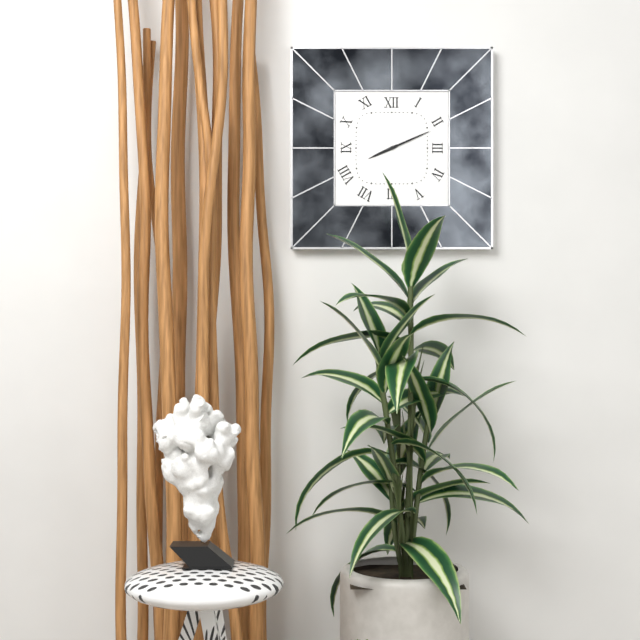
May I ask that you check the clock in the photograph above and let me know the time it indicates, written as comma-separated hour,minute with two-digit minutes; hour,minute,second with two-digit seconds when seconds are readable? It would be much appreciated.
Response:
8,11
